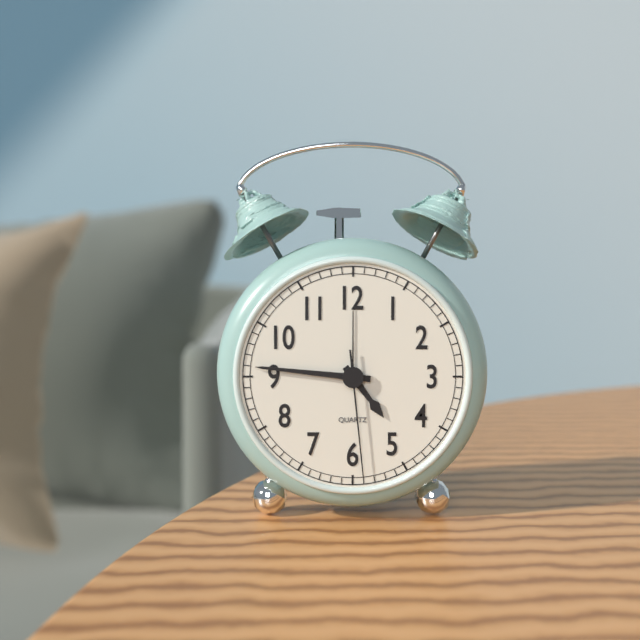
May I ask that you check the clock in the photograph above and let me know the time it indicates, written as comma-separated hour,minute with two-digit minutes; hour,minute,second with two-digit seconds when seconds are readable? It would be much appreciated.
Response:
4,46,29
